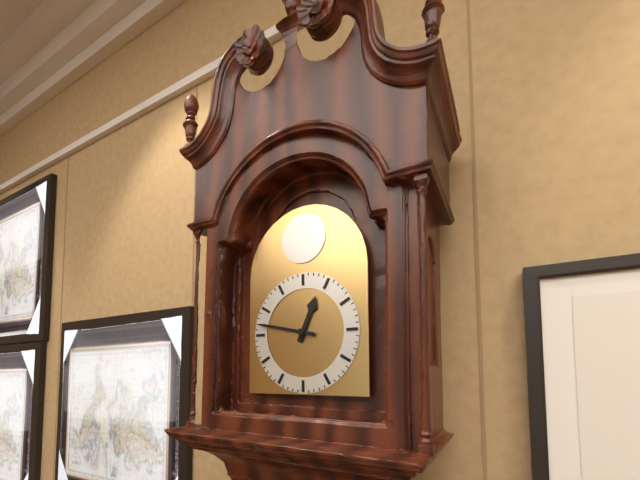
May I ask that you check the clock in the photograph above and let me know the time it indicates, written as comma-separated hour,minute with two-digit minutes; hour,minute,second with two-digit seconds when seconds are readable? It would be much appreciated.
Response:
12,47
